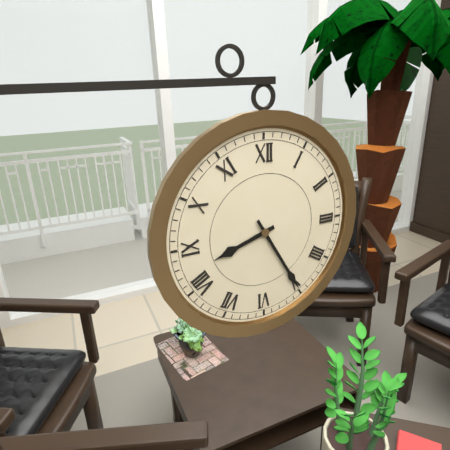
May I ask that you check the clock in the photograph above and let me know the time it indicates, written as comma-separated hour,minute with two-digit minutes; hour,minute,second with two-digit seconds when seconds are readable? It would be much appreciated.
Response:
8,25
